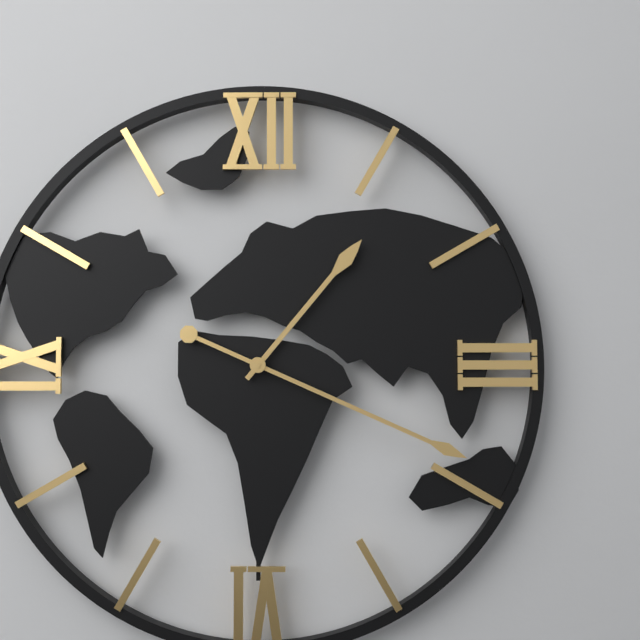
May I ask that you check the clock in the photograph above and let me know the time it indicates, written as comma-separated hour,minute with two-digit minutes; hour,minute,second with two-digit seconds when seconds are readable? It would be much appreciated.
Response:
1,19
